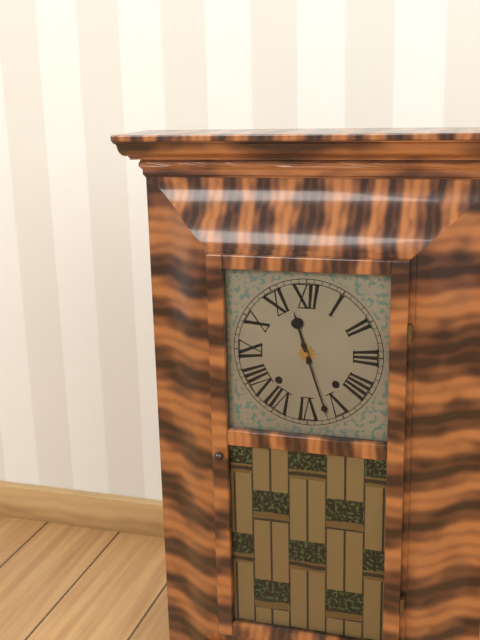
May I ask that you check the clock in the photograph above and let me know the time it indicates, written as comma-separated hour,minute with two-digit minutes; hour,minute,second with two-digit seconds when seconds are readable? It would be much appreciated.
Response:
11,27
